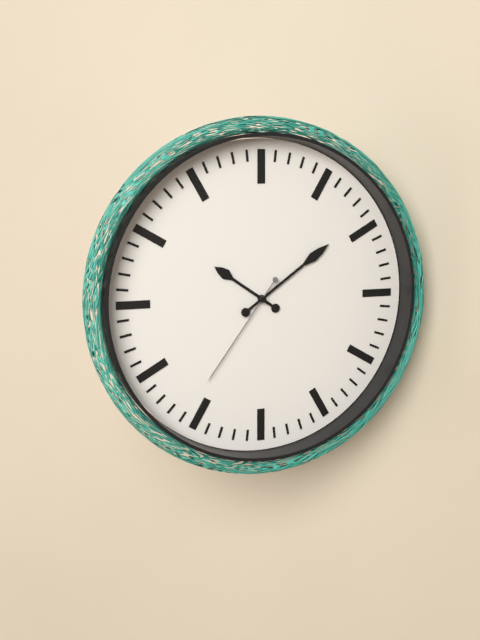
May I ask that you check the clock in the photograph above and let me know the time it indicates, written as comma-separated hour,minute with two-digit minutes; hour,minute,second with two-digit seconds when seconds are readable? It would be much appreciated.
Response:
10,09,36
